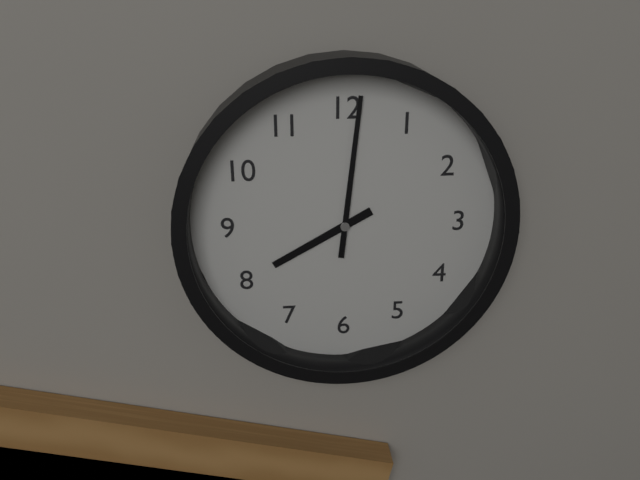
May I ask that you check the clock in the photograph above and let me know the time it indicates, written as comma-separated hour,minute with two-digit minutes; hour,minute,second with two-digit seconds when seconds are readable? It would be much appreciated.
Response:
8,01
